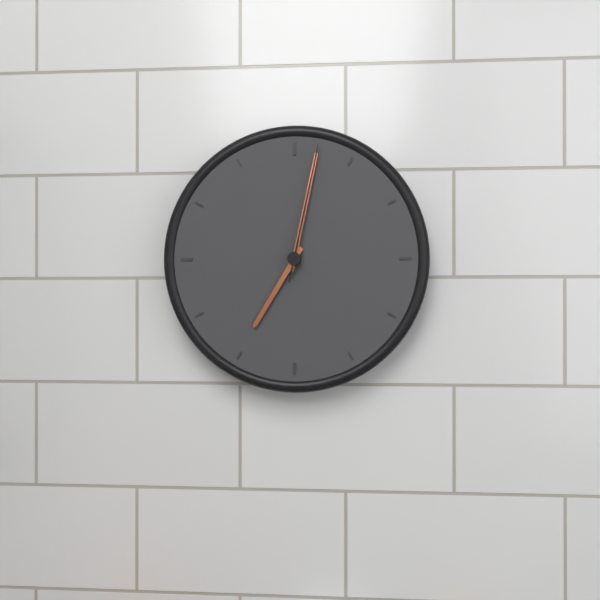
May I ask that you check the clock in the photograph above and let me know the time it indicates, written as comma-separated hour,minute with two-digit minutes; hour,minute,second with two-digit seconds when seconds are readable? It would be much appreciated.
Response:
7,02,02
